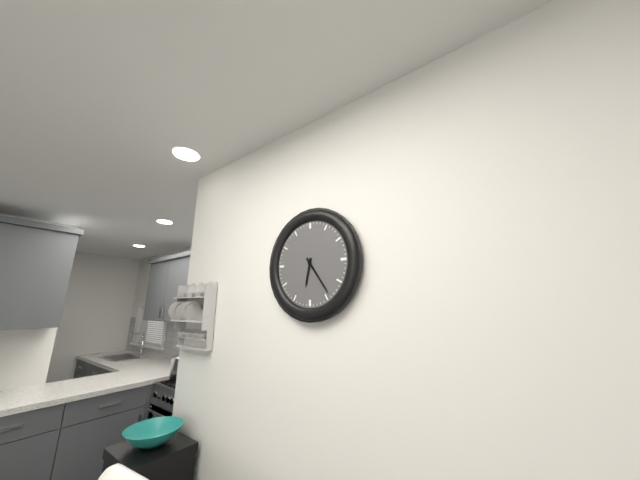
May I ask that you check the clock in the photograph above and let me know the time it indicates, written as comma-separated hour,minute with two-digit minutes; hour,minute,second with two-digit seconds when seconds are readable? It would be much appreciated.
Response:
6,24
